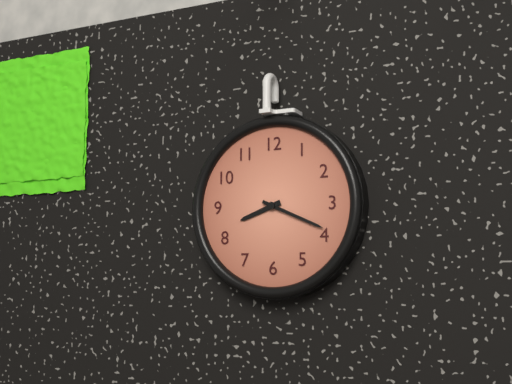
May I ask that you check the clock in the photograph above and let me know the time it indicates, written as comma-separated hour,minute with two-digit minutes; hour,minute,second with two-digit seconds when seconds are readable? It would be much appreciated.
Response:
8,19
